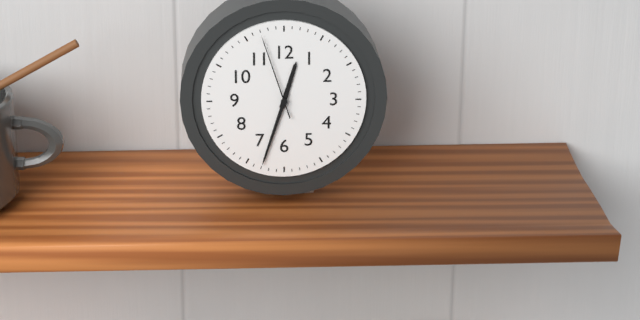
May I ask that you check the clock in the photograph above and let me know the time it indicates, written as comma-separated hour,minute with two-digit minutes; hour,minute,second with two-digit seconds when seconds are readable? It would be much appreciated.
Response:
12,33,57
